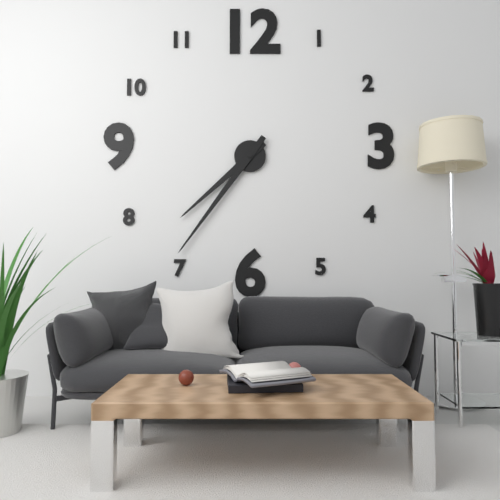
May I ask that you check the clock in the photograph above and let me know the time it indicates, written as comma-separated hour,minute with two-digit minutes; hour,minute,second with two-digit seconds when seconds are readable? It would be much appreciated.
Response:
7,36
